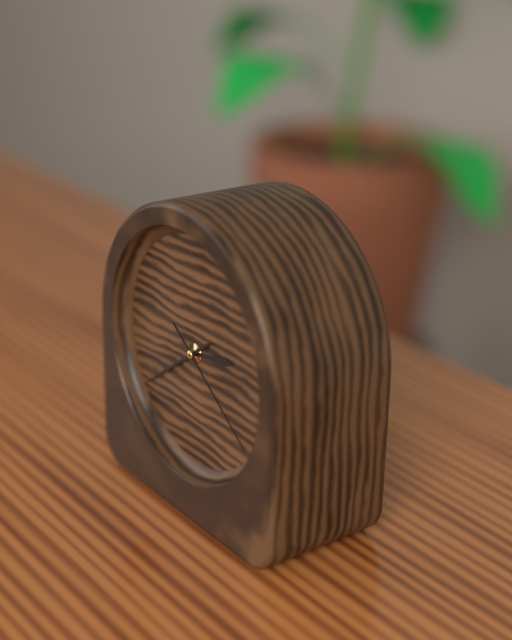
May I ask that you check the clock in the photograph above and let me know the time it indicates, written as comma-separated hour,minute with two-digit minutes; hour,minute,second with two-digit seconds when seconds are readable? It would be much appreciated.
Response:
2,39,21
